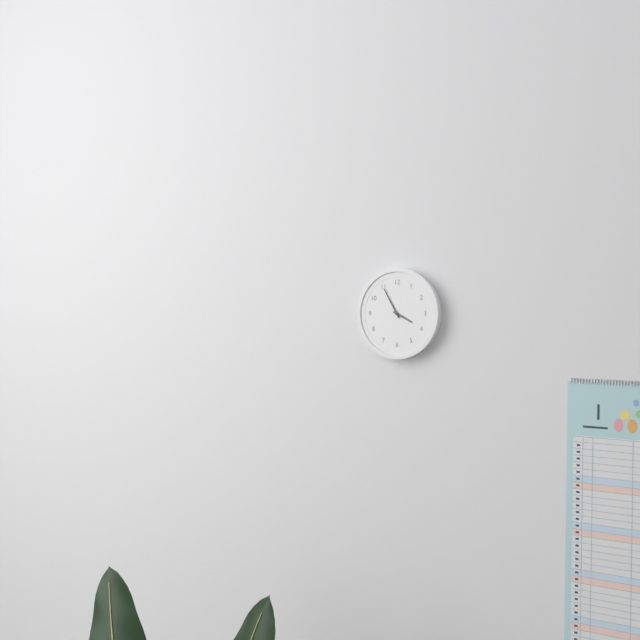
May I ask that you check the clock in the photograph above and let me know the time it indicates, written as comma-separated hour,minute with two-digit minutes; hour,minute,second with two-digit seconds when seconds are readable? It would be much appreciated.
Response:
3,55
